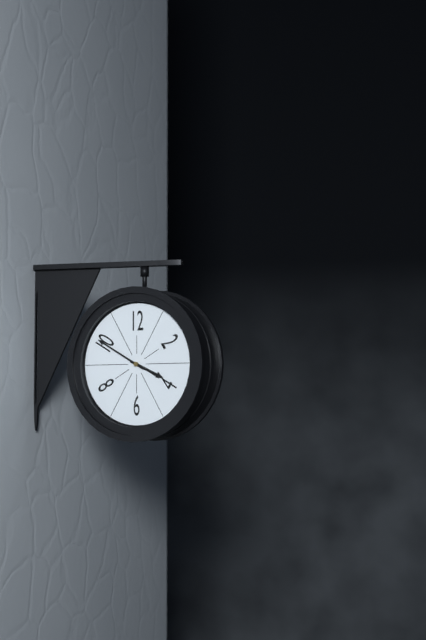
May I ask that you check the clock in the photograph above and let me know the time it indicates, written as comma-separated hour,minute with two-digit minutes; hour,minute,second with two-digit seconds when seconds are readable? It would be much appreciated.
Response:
3,50
